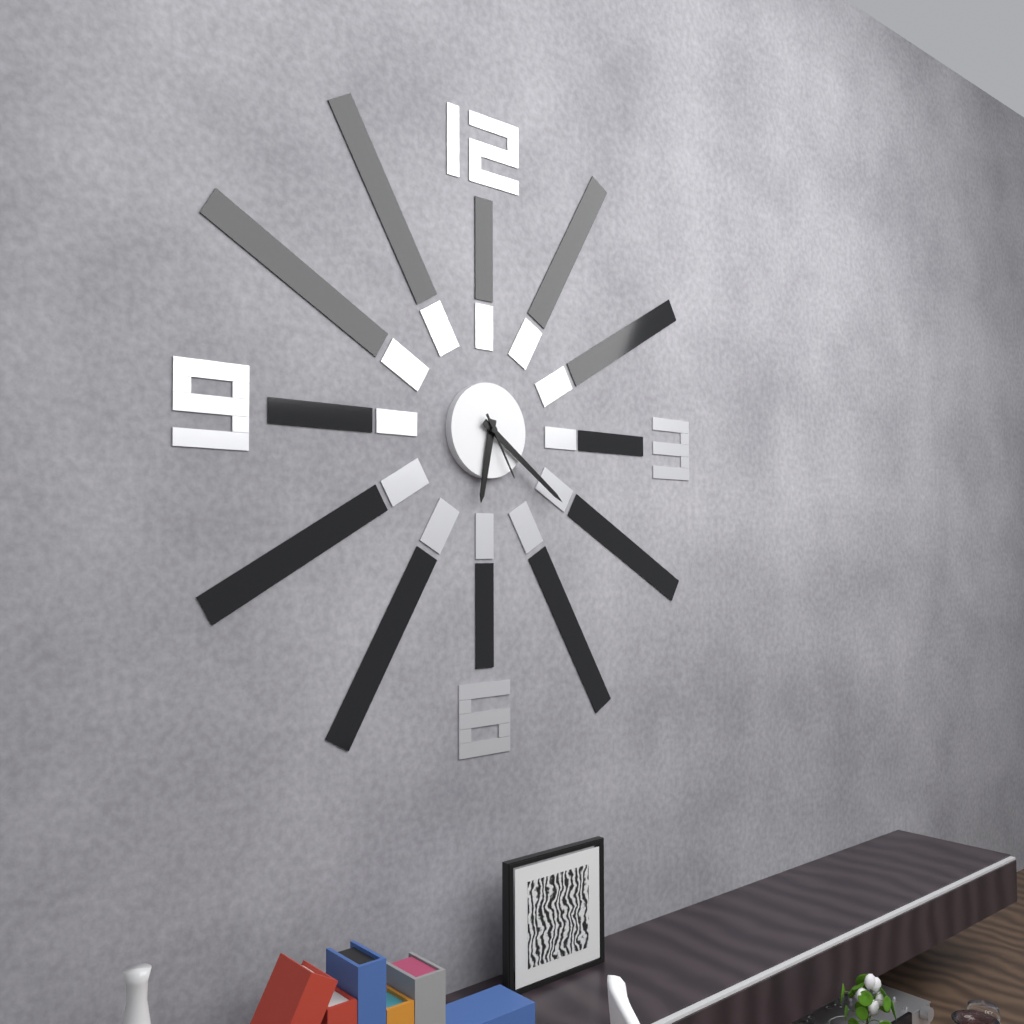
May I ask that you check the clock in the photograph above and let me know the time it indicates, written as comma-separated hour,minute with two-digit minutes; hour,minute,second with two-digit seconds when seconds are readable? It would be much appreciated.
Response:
6,21,25
